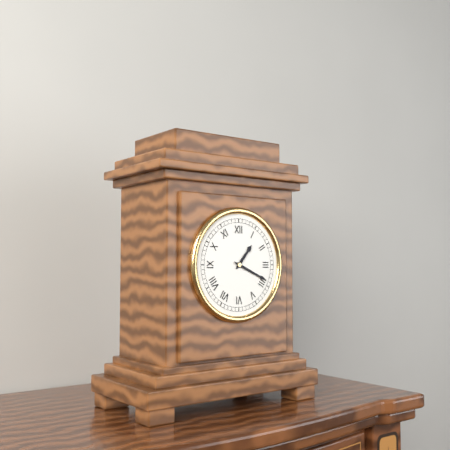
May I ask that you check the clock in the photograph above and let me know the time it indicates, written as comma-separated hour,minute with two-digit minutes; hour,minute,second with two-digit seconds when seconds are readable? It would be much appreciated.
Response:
1,19
